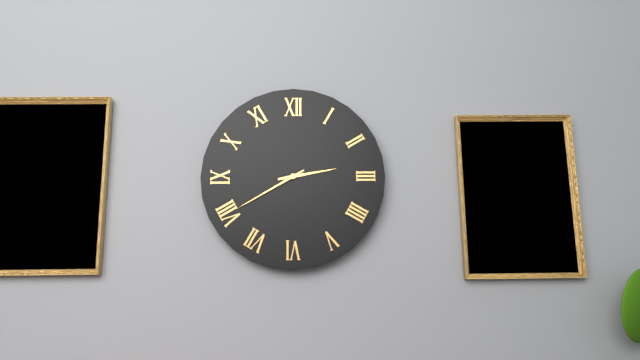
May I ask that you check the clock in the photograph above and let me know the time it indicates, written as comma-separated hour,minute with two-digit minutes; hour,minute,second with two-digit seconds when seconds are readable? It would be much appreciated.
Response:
2,40
